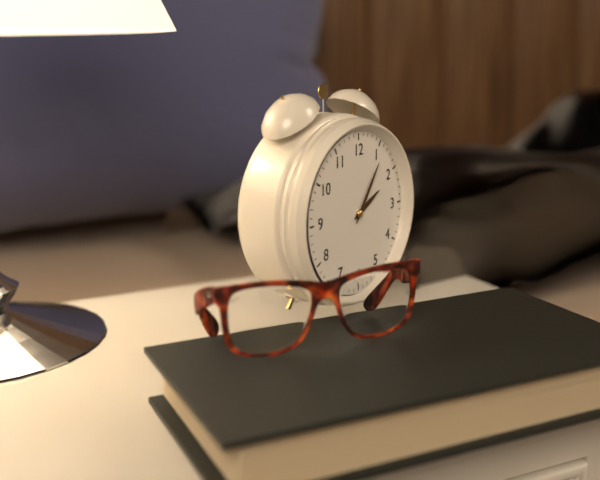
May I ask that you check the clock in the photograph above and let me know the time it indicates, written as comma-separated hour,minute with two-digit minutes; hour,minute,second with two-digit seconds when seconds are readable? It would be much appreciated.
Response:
2,06
